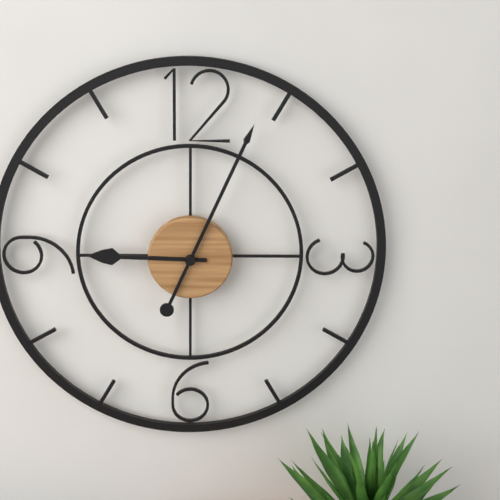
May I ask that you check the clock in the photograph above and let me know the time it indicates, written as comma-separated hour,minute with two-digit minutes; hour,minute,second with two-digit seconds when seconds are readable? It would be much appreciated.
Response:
9,04
